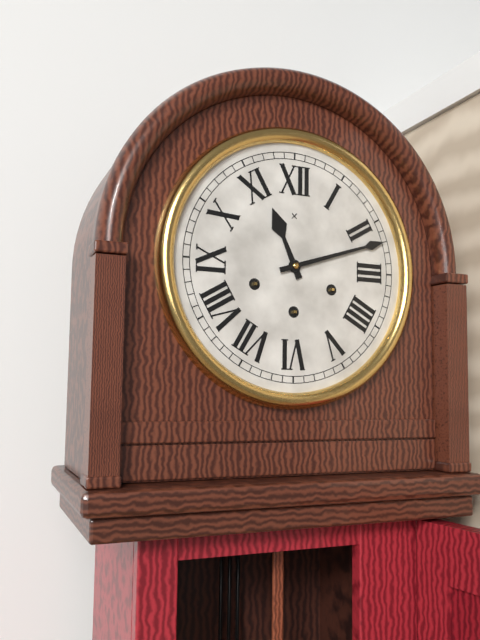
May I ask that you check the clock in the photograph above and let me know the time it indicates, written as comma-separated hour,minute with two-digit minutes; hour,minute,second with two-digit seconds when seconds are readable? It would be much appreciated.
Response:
11,12
